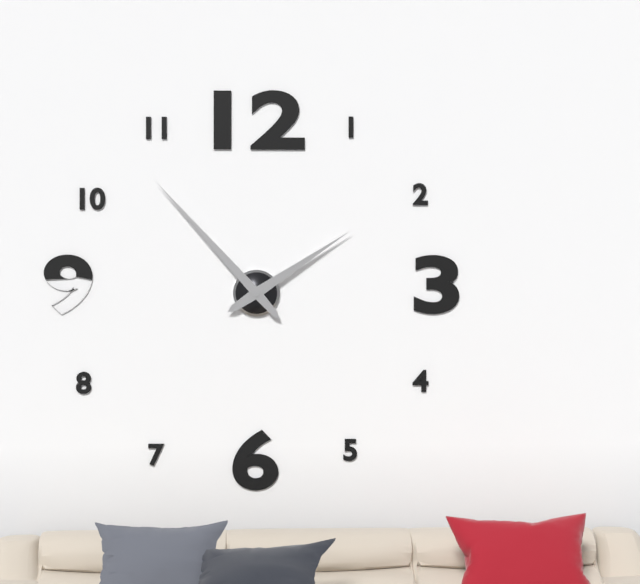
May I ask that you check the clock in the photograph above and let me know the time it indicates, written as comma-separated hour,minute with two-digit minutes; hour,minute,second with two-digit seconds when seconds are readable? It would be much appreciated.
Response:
1,53
